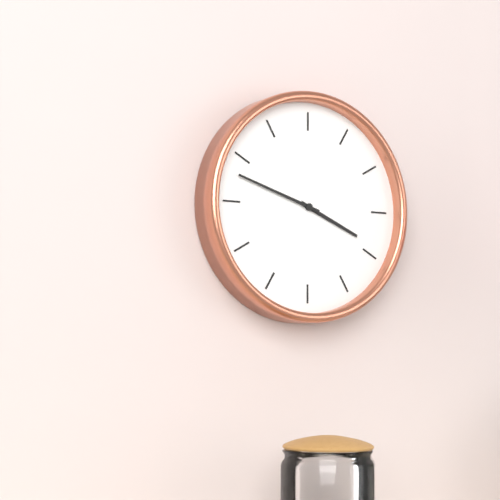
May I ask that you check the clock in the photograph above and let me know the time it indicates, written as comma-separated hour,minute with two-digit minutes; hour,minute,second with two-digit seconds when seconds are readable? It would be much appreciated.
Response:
3,48
